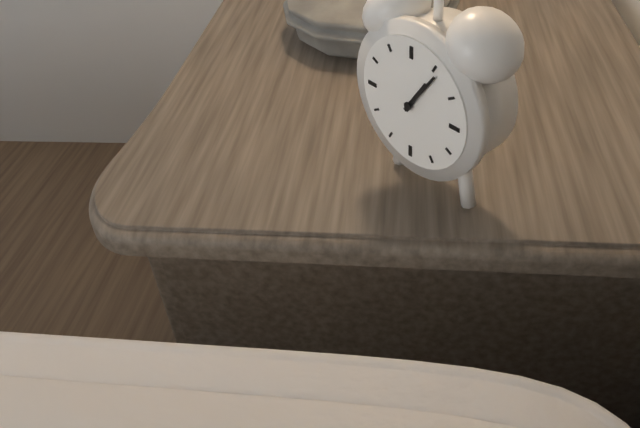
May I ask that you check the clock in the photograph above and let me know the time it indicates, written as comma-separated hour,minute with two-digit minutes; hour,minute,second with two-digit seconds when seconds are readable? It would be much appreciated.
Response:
1,06
